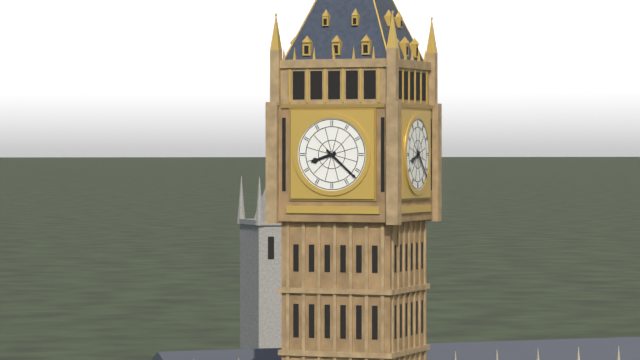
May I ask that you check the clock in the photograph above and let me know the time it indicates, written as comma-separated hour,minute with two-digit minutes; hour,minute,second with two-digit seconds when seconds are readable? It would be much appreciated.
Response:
8,22
